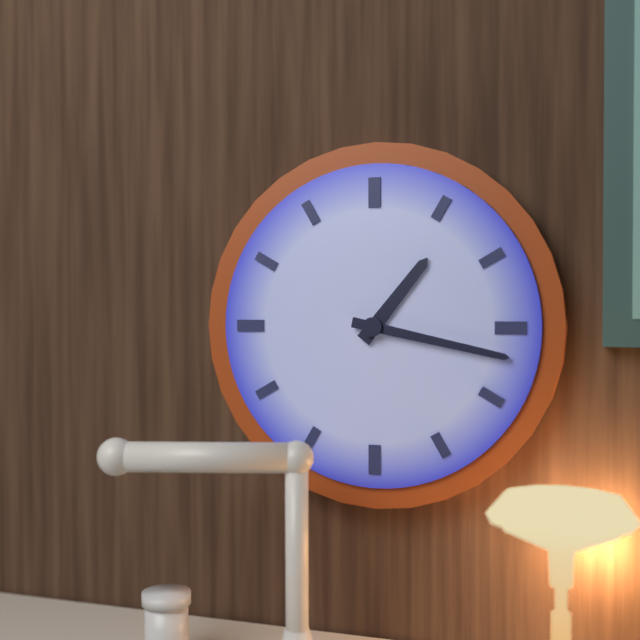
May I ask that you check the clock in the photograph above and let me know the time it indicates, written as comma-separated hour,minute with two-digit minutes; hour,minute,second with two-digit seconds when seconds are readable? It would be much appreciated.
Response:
1,17
